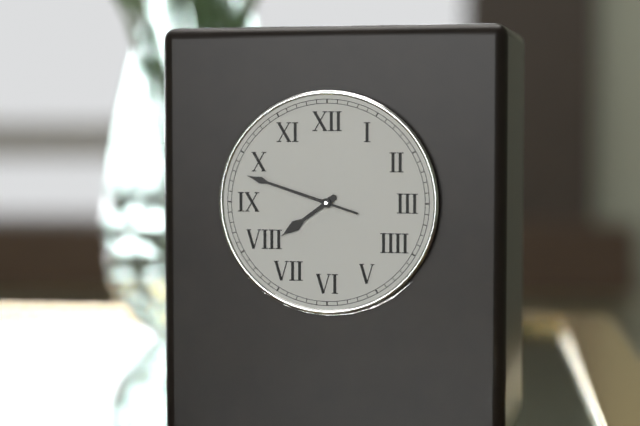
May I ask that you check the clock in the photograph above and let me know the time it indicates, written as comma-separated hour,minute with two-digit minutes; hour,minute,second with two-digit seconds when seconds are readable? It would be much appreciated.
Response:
7,48
